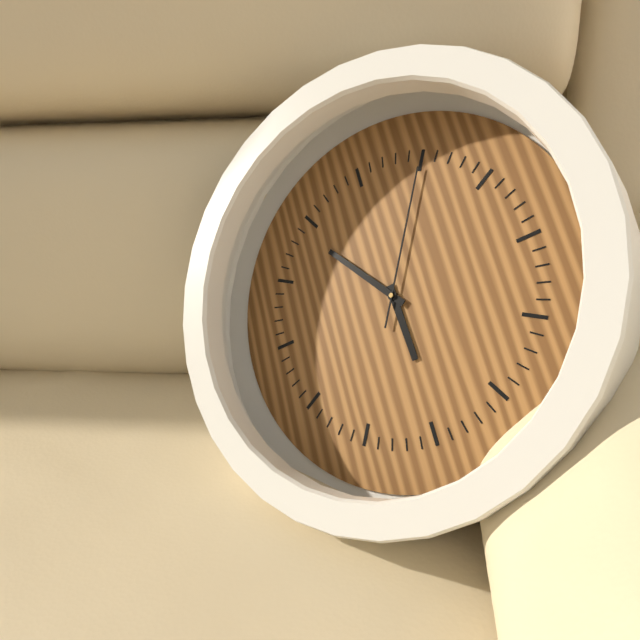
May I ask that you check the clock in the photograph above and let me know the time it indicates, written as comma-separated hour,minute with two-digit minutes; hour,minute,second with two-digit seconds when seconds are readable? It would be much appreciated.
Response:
5,54,05
